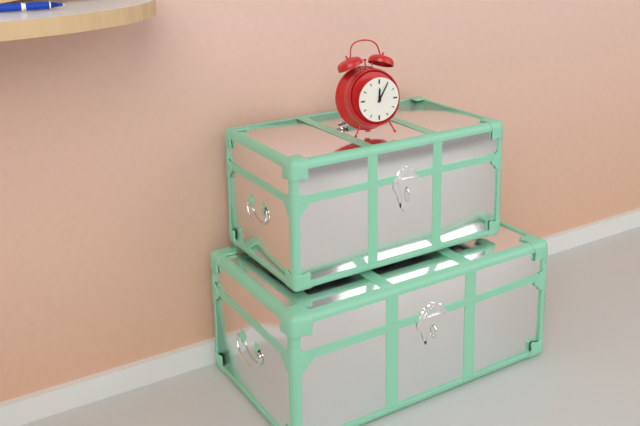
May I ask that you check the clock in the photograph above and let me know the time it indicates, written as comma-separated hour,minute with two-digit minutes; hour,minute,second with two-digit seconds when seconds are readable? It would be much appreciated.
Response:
12,05
